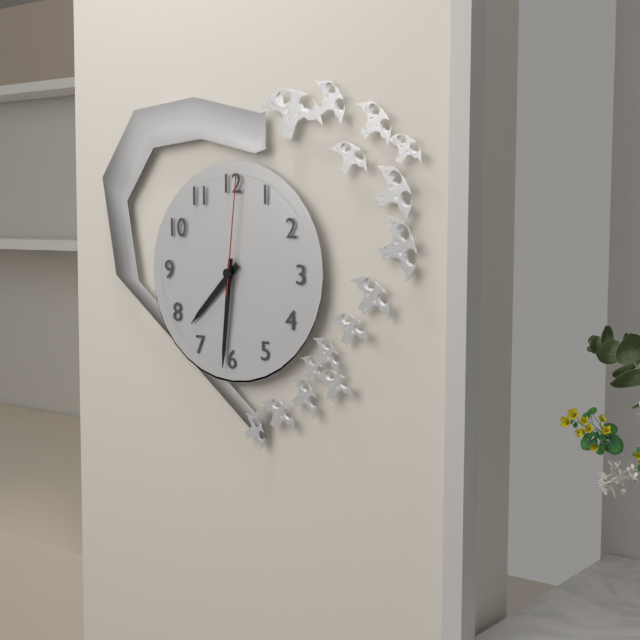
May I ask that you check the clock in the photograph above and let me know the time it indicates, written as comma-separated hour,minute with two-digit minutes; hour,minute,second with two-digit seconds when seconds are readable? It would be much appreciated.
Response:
7,31,01
